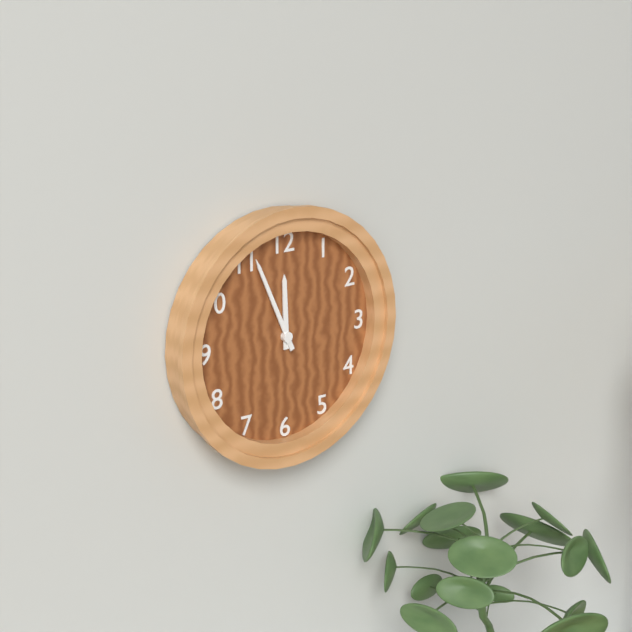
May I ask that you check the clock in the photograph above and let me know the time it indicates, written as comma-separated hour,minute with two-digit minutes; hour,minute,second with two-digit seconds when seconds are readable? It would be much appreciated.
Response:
11,56
